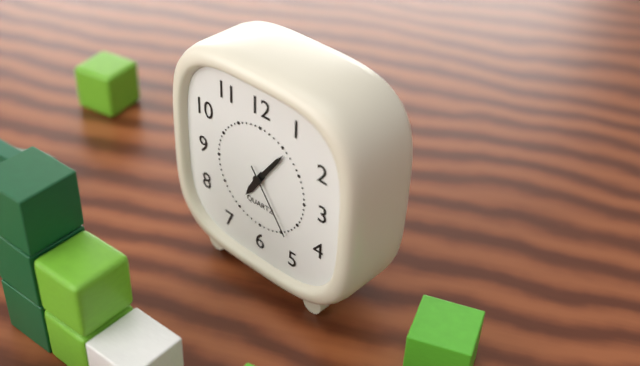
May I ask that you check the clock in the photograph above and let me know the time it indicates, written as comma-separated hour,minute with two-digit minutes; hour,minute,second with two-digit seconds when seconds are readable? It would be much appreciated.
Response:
7,06,24
